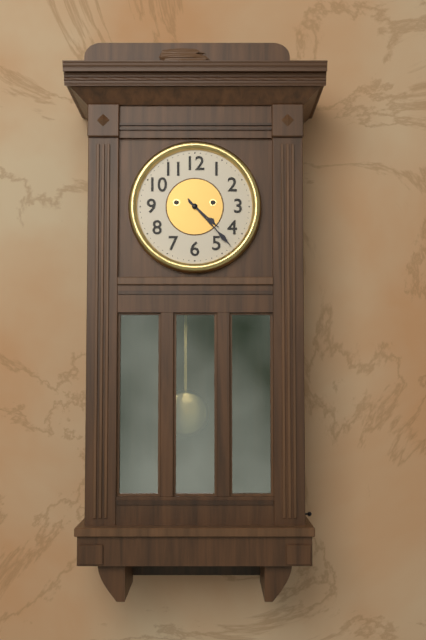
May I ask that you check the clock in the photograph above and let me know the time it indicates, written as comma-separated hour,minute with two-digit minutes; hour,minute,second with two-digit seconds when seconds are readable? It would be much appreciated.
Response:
4,23
